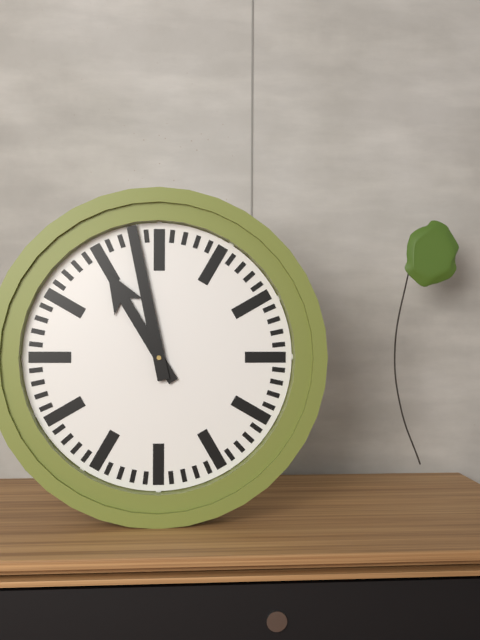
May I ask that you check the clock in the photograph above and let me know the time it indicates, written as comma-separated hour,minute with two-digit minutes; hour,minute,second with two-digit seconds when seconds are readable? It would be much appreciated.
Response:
10,58
